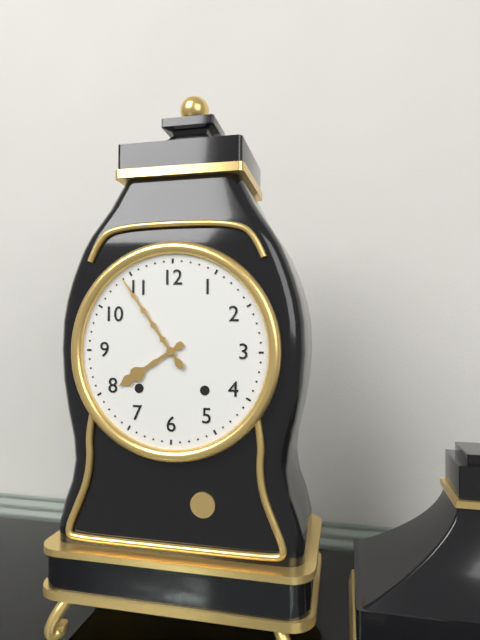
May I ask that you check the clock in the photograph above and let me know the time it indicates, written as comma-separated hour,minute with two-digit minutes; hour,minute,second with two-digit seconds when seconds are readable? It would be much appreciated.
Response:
7,54
